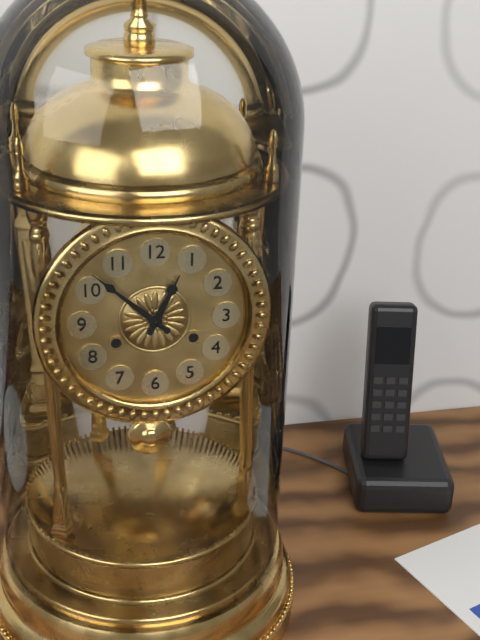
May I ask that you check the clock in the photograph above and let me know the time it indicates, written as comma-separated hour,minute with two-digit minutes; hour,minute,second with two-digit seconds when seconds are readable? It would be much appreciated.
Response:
12,52
